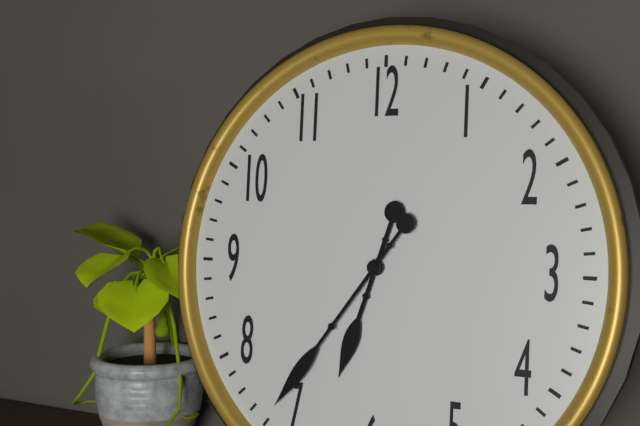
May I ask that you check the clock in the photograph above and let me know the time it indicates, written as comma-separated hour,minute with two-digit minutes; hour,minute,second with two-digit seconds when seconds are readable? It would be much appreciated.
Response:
6,36
